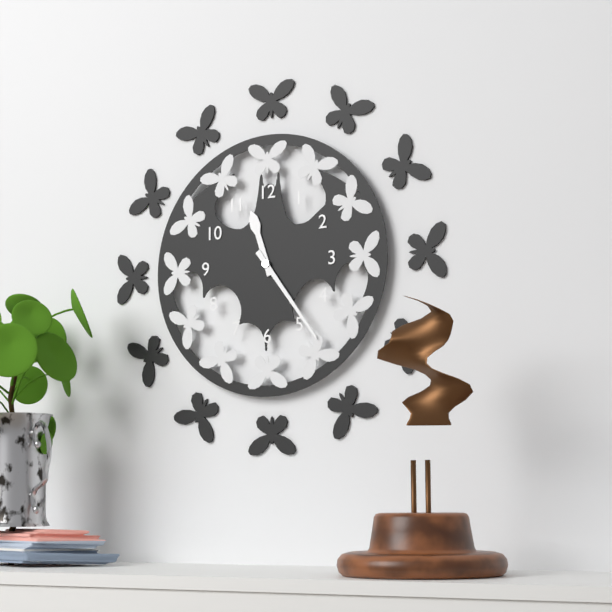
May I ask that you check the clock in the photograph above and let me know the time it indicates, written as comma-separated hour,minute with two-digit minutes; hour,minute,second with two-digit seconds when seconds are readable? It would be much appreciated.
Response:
11,24
